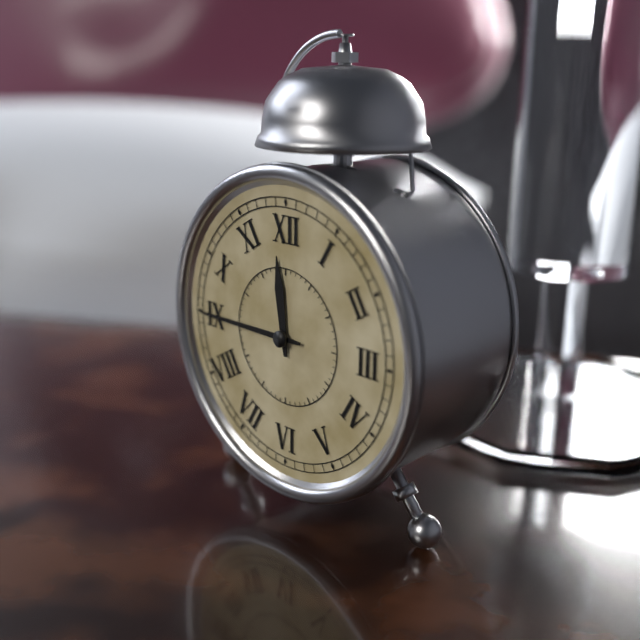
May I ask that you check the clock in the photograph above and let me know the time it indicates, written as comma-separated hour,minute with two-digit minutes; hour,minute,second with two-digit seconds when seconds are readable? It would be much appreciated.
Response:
11,45
